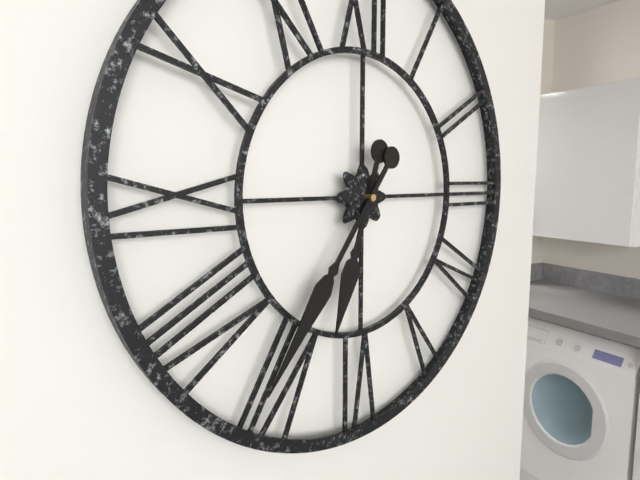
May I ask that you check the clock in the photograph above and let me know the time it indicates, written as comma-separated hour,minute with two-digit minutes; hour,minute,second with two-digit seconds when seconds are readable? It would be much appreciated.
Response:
6,36
